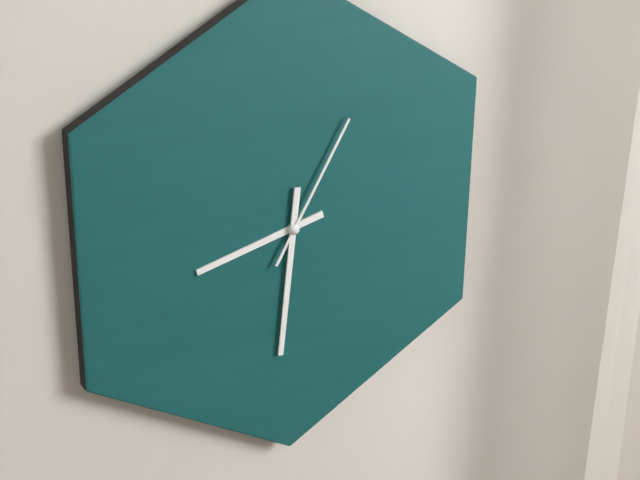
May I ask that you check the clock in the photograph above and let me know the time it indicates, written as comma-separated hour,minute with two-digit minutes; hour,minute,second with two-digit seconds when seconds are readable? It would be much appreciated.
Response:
8,31,05
